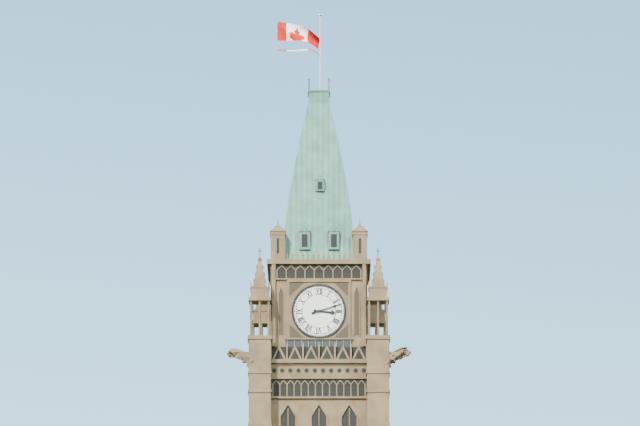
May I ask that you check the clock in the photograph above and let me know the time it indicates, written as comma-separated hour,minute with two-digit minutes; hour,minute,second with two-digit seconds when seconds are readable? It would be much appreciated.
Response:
3,12
